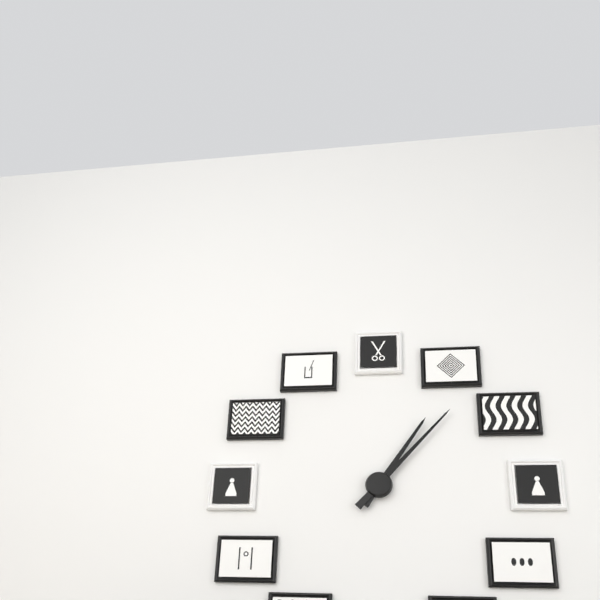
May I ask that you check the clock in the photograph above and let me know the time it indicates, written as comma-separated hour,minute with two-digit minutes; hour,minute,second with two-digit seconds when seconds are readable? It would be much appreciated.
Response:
1,07
